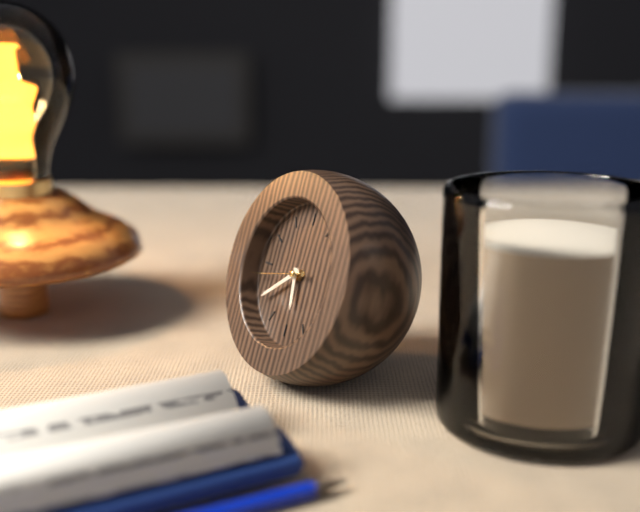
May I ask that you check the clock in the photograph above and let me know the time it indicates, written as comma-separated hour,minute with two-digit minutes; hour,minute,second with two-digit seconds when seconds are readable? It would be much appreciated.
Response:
5,39,43
